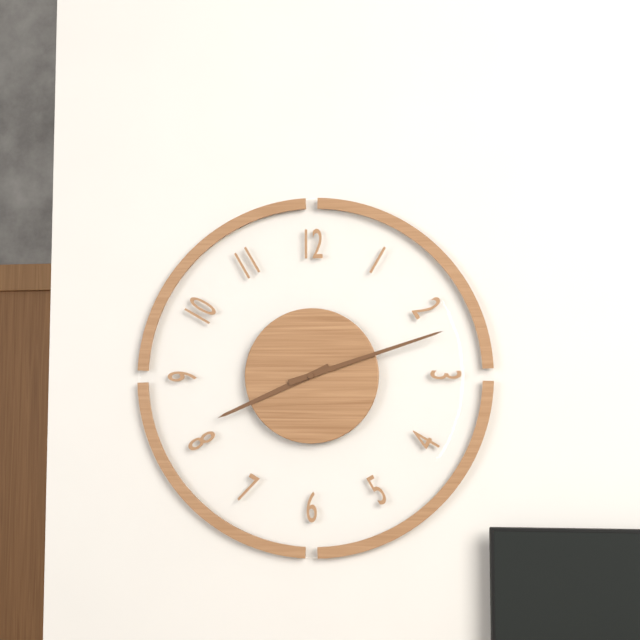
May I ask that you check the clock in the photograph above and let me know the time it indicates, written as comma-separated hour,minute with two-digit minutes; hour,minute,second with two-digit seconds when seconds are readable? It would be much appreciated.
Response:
8,12
